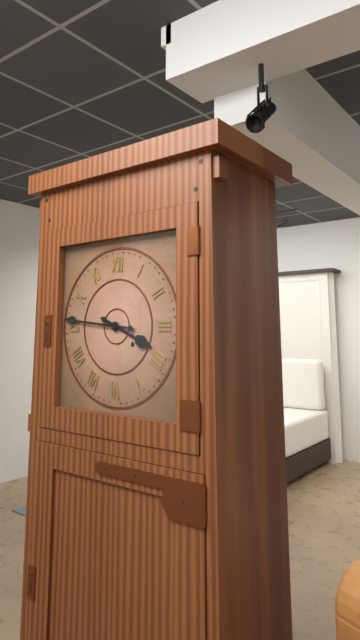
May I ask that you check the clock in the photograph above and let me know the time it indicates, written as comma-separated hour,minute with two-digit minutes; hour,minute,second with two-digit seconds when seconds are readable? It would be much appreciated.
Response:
3,46
